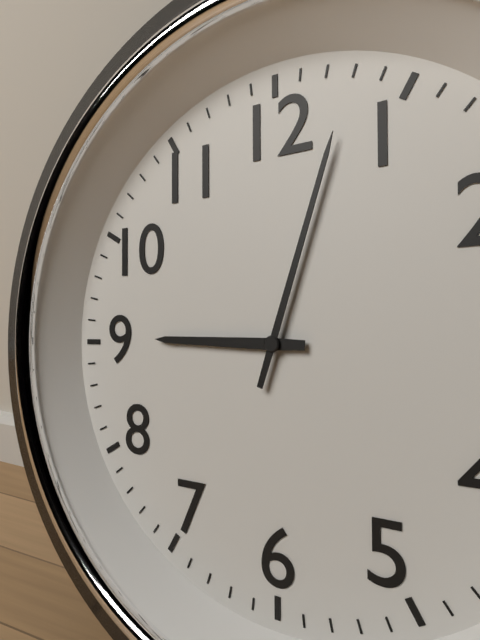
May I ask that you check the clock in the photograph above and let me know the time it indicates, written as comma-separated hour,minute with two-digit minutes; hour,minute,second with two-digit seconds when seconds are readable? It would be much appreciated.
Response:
9,03
